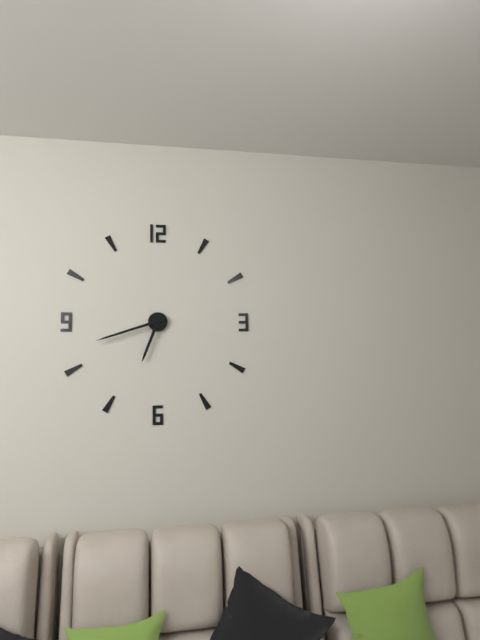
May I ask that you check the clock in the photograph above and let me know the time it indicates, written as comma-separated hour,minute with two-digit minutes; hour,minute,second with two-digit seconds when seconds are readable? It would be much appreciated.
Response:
6,42
